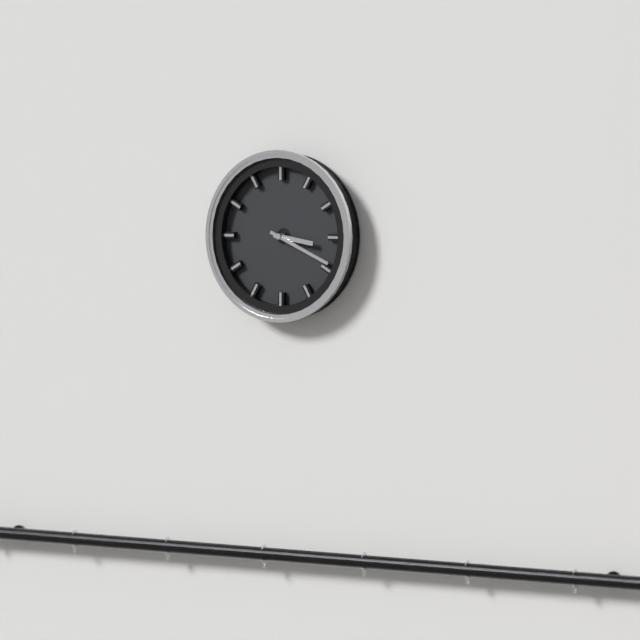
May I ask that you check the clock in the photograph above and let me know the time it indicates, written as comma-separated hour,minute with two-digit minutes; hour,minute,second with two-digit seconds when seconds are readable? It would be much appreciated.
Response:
3,19
